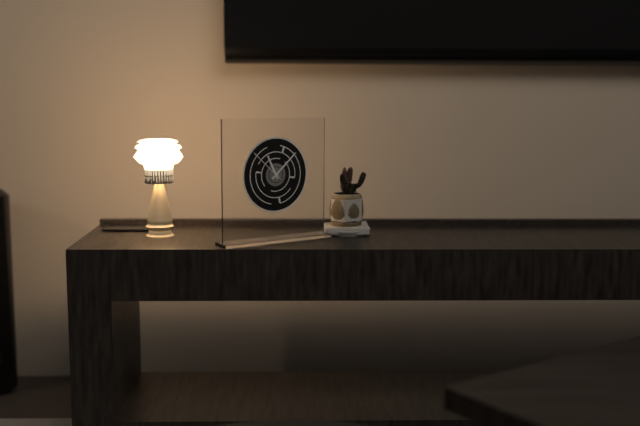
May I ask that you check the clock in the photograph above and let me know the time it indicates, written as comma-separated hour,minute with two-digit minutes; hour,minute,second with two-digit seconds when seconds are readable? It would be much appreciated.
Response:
11,08
